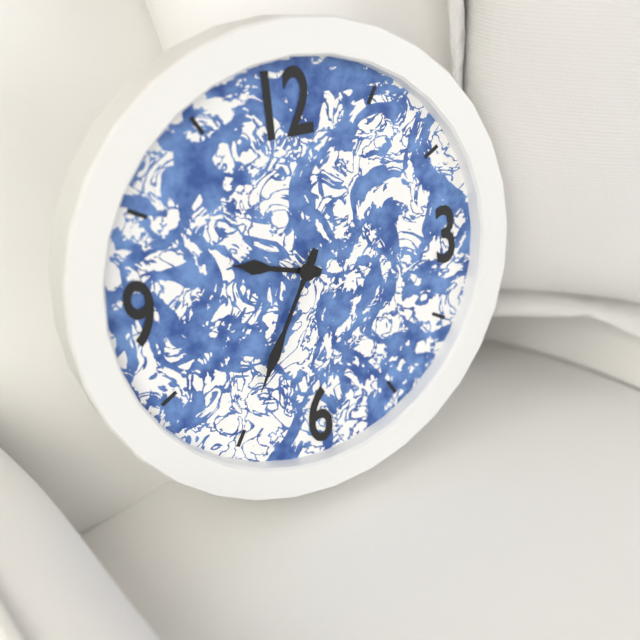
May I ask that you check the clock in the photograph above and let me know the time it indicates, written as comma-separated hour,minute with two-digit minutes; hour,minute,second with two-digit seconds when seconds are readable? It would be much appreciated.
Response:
9,35
